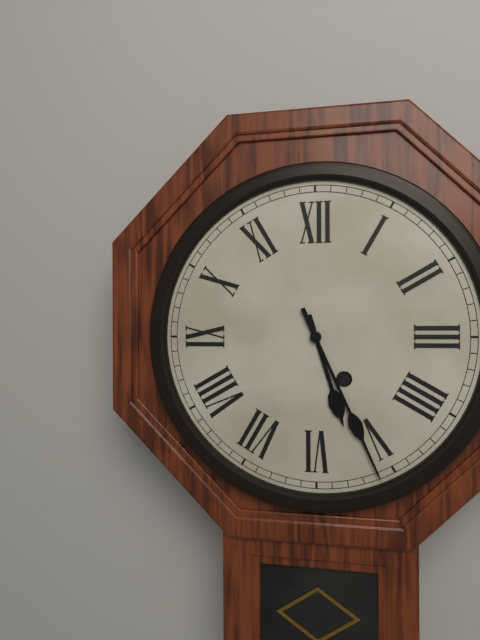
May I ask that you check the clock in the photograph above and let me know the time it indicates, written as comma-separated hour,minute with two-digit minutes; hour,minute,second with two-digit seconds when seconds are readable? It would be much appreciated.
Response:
5,26
